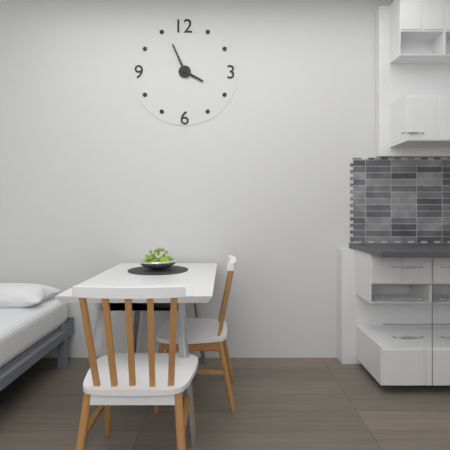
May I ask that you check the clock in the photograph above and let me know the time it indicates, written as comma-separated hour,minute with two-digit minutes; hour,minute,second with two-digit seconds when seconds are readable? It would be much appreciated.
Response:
3,56
